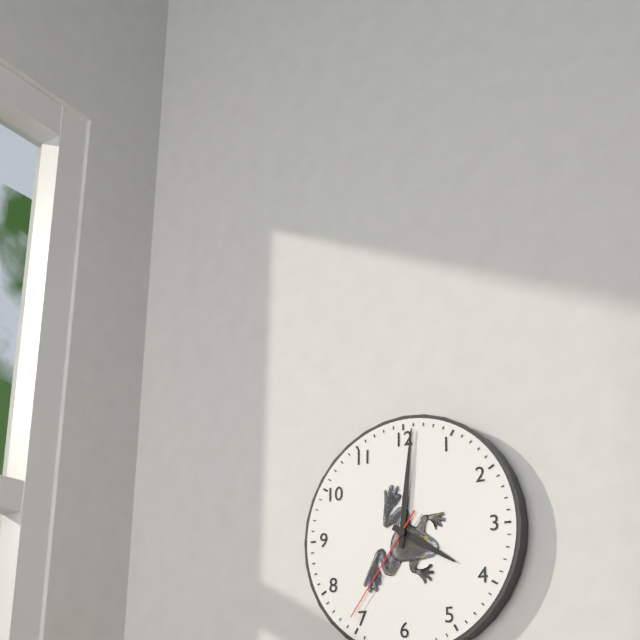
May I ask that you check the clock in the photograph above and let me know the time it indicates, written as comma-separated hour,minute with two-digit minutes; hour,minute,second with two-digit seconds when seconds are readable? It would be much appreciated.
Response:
4,01,36
